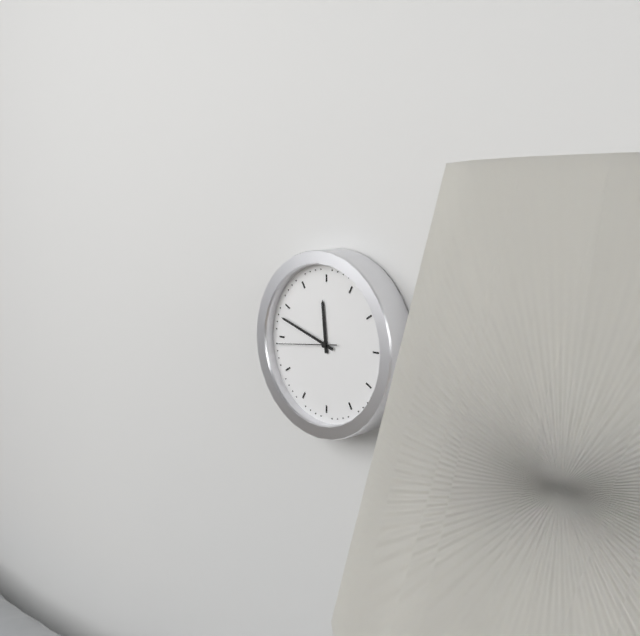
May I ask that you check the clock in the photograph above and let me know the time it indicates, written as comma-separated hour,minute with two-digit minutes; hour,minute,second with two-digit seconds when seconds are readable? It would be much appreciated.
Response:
11,48,44
